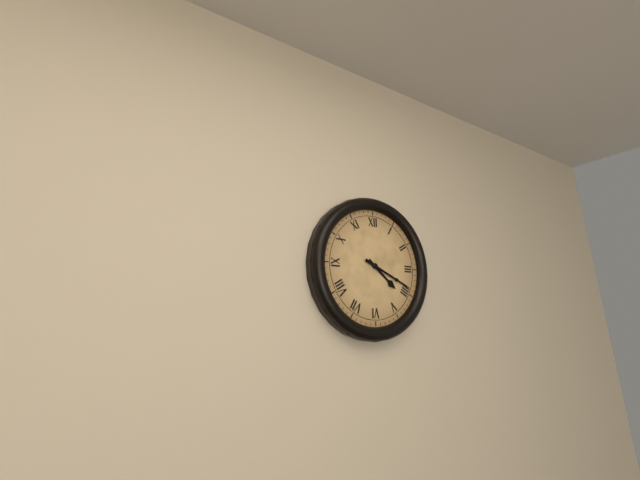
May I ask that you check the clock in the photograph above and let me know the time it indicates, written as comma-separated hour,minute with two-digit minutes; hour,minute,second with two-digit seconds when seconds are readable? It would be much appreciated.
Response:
4,19
